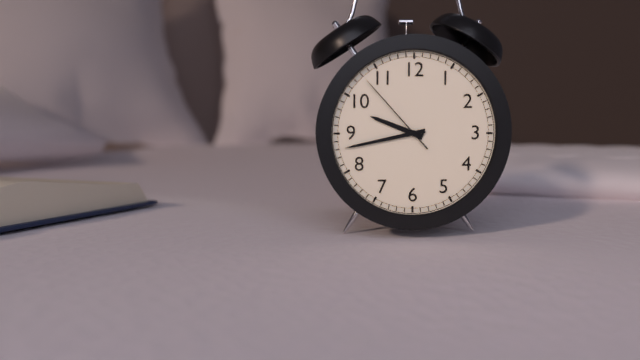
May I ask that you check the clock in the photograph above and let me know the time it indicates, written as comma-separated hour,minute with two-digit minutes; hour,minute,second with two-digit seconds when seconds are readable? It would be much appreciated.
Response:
9,43,53
